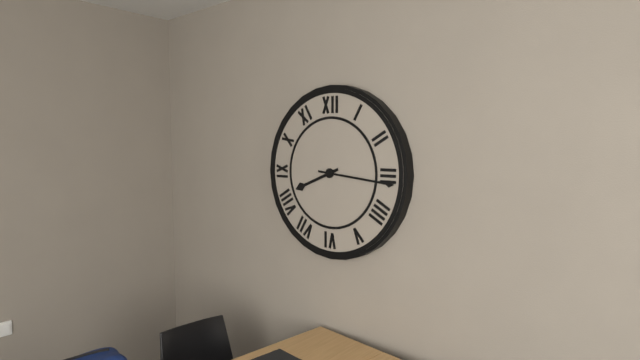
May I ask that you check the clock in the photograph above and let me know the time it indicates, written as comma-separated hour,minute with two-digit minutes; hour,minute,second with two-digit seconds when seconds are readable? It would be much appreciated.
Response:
8,16
